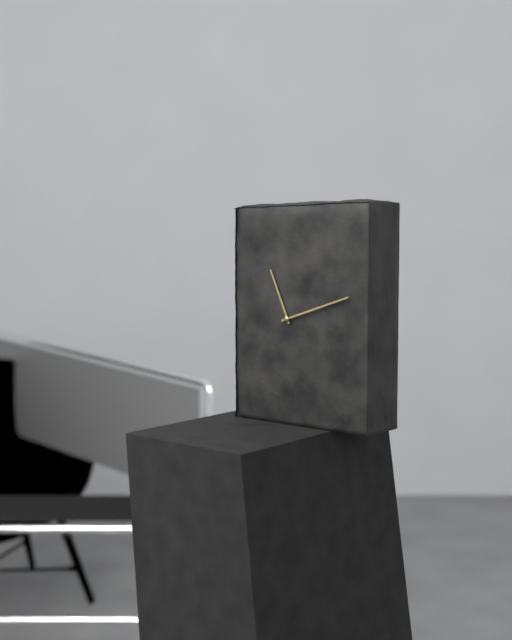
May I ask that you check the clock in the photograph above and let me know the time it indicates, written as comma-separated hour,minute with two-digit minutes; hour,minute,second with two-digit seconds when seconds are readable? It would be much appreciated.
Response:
11,12
